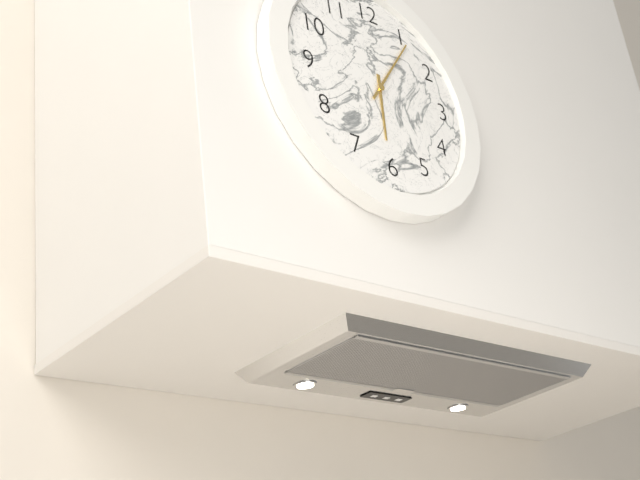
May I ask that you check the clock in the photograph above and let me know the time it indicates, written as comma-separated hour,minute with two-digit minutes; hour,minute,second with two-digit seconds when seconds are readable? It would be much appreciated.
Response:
6,06
